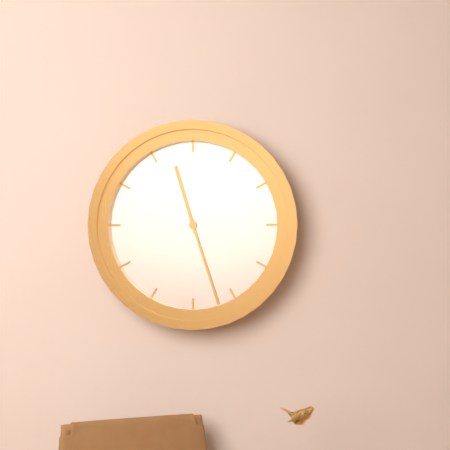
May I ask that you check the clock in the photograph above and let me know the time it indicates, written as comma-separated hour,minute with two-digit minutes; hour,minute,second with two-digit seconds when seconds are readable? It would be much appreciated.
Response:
11,27
